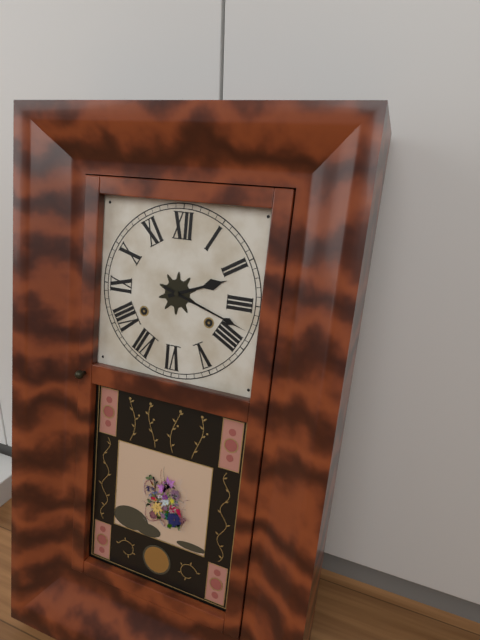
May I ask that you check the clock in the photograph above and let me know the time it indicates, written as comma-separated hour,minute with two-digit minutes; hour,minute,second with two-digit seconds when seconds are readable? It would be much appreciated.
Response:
2,18
